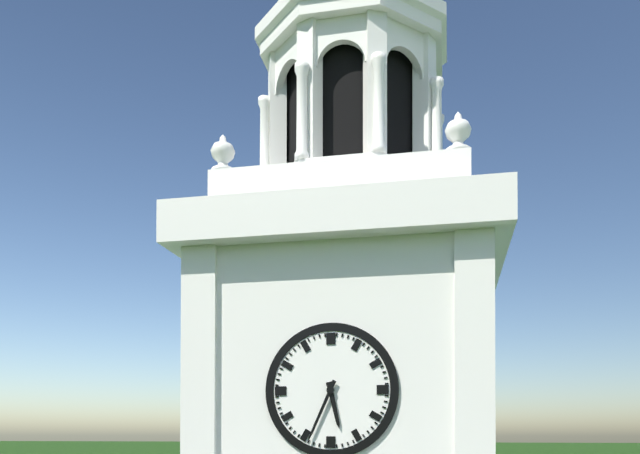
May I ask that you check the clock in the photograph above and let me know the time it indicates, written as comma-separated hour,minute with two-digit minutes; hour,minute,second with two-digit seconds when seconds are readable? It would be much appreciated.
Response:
5,34
